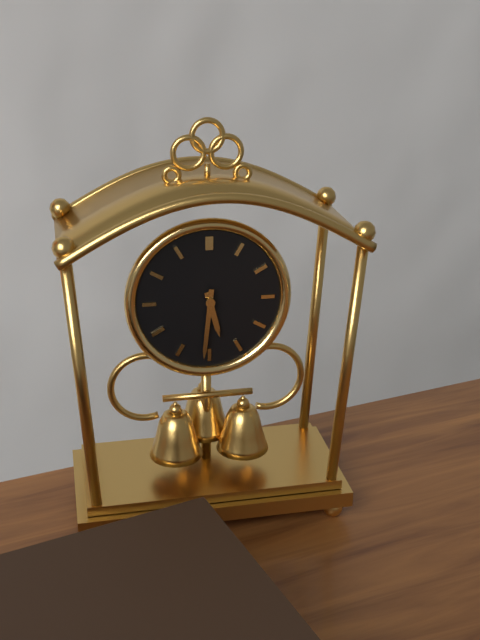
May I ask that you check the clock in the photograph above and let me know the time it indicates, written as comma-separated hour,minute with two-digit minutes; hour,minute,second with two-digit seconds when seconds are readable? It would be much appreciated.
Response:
5,31
